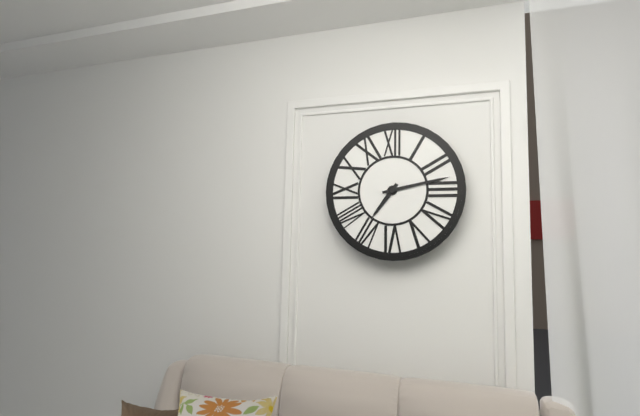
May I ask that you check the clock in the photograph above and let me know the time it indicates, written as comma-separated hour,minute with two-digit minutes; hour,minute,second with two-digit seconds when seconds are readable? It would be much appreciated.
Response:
7,13
